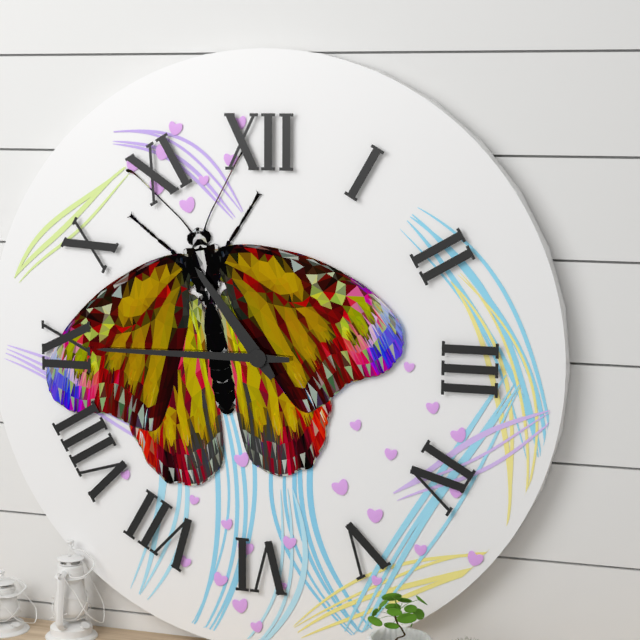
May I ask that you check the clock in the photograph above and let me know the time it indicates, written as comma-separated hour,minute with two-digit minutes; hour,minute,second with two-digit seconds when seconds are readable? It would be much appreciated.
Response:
10,45
